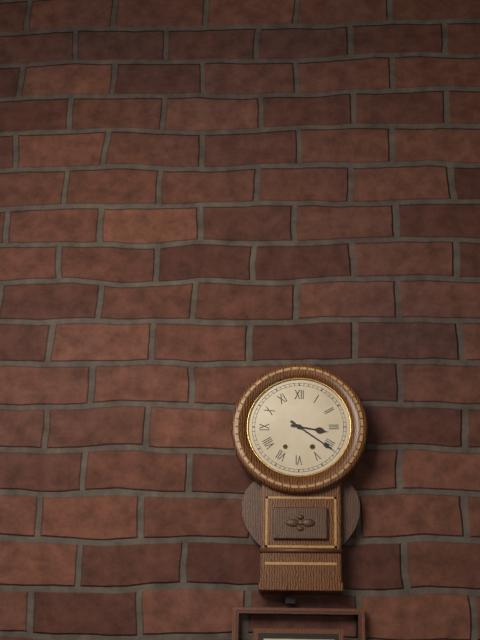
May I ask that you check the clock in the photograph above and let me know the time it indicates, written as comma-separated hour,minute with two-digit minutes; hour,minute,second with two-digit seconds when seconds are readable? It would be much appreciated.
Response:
3,21
